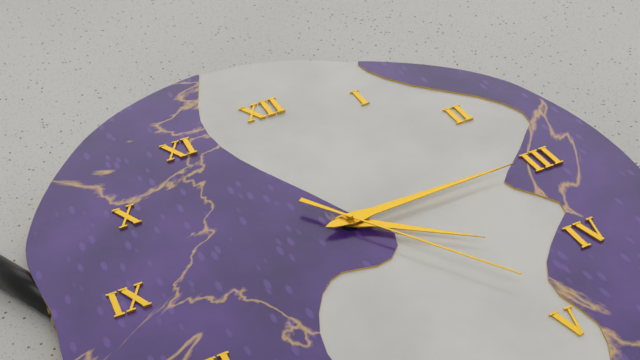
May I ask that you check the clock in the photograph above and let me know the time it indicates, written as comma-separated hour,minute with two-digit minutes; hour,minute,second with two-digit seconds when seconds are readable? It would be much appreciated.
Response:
4,15,24
